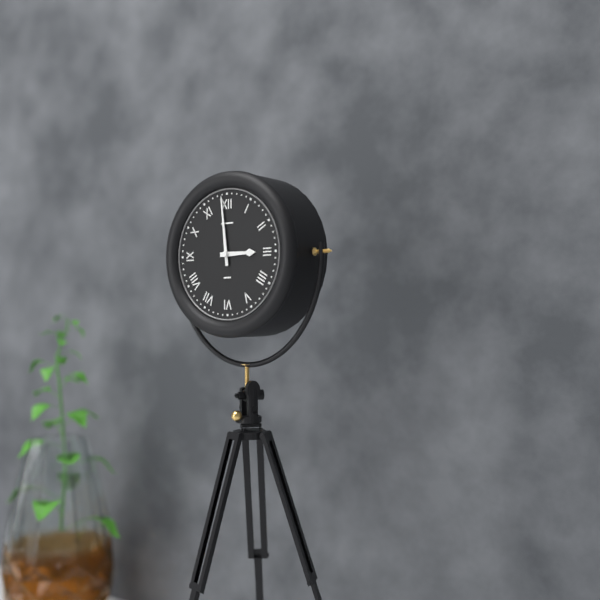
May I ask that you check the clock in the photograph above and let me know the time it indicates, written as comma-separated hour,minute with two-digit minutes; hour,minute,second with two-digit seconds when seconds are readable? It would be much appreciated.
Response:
2,59
